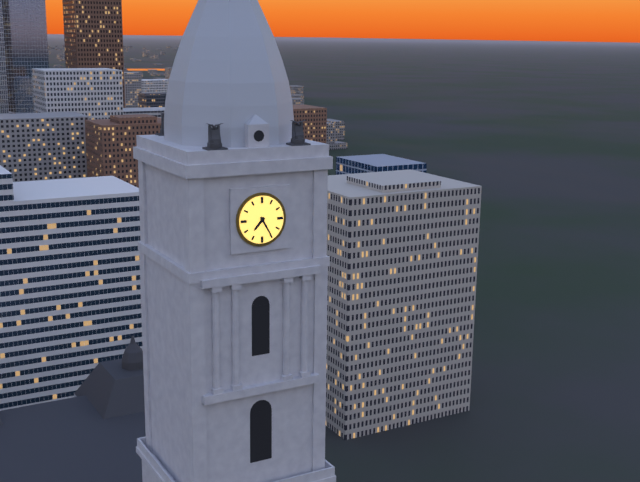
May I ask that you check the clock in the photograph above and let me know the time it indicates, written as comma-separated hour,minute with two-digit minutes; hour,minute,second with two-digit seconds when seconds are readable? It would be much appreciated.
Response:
7,25
